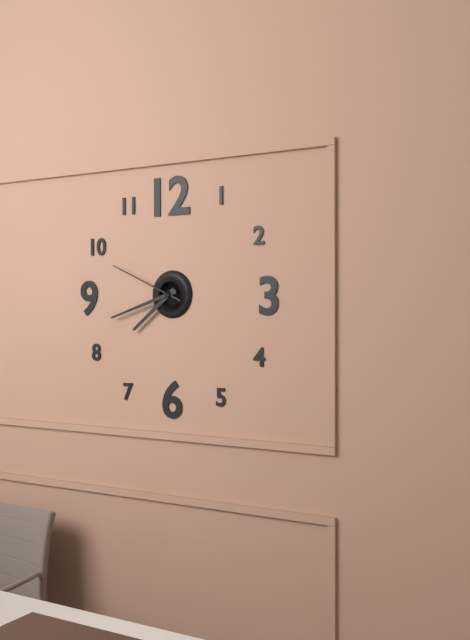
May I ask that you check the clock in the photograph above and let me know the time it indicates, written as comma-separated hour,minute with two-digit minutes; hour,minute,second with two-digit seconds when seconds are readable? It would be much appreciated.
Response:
7,42,49
